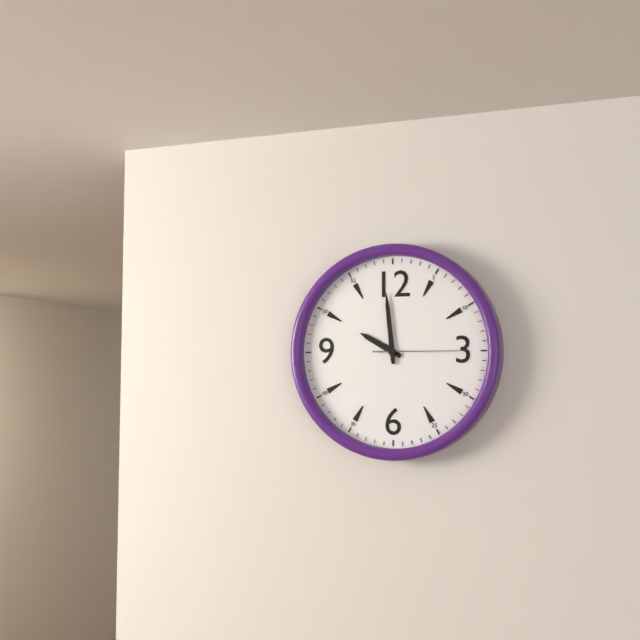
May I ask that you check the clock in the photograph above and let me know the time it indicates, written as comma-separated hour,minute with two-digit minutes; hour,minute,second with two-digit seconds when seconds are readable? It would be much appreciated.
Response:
9,59,15
